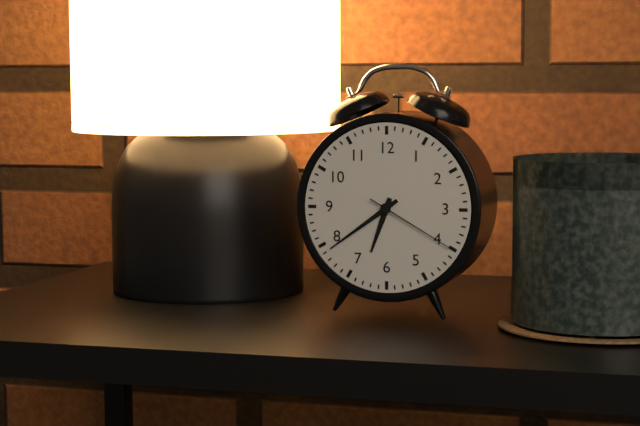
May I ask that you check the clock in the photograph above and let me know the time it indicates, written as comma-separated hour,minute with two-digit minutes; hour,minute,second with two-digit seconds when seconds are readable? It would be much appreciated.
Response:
6,39,20
